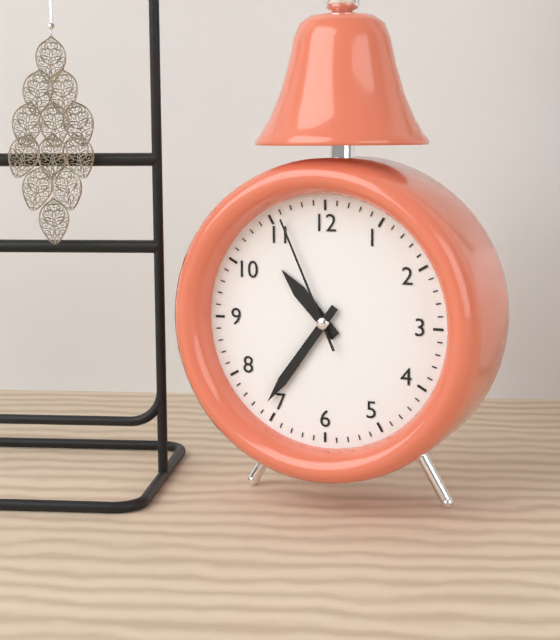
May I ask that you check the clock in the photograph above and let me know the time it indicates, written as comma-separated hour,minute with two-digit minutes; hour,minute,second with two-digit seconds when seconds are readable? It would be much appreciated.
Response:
10,36,56
